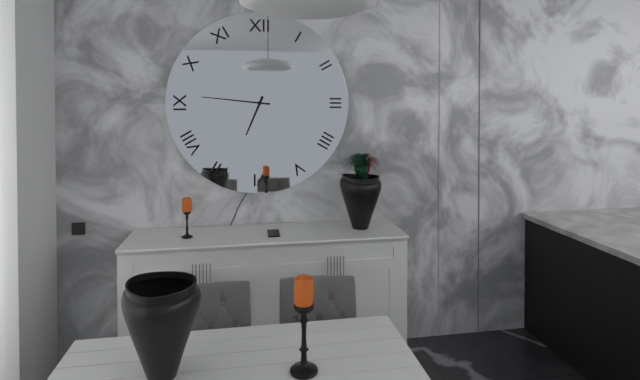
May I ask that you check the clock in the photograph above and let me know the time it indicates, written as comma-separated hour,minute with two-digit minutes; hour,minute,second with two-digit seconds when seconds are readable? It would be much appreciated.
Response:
6,46
